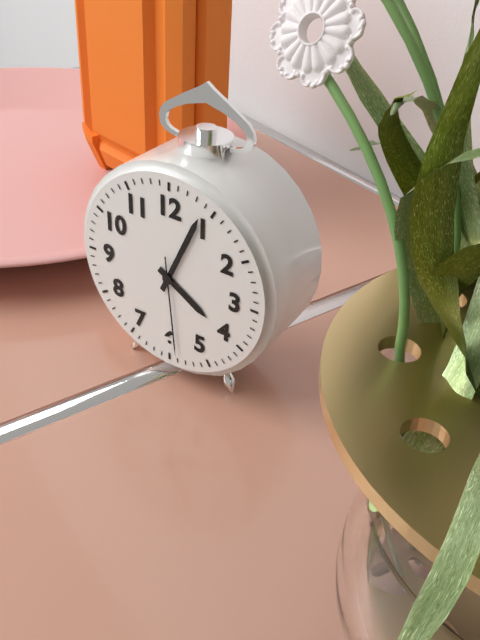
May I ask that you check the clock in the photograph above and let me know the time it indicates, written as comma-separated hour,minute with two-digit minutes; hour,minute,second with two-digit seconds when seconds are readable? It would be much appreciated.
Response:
4,04,29
